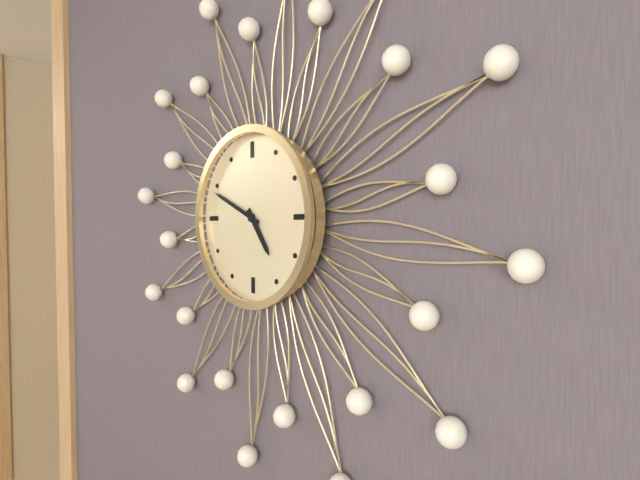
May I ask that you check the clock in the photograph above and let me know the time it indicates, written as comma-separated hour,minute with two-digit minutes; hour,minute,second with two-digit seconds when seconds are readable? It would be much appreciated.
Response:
4,49
